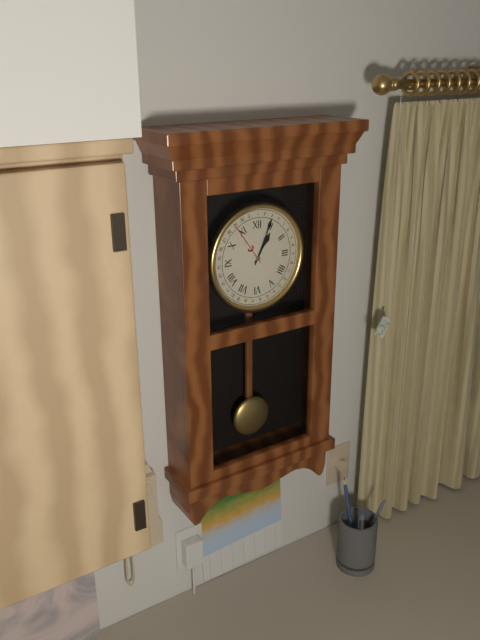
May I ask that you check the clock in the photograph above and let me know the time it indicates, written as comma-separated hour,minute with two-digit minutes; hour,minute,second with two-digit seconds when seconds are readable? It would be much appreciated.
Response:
1,04
